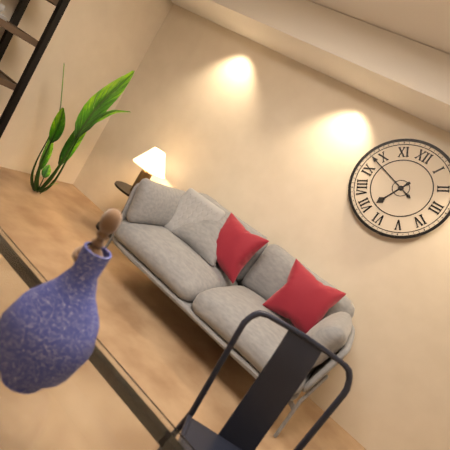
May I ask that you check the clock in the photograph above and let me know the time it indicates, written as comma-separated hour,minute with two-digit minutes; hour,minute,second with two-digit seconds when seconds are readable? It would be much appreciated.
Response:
6,48
